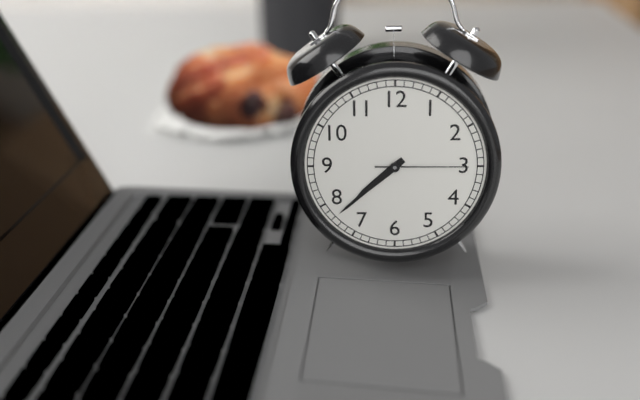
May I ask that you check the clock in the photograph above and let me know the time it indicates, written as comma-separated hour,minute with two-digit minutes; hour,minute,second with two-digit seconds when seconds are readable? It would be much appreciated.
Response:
7,38,15
